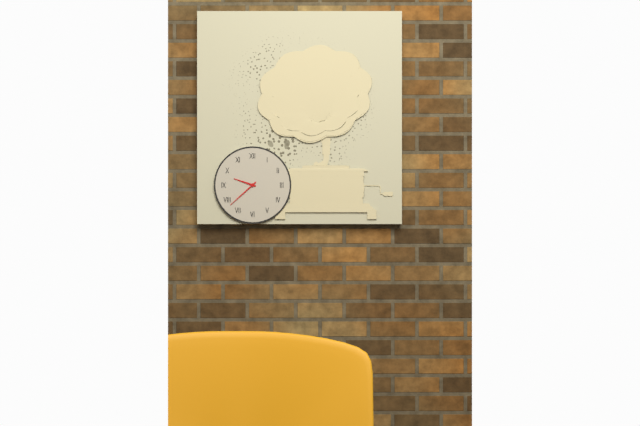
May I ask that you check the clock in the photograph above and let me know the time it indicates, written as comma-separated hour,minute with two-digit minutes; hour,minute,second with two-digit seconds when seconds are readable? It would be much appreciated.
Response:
9,38
